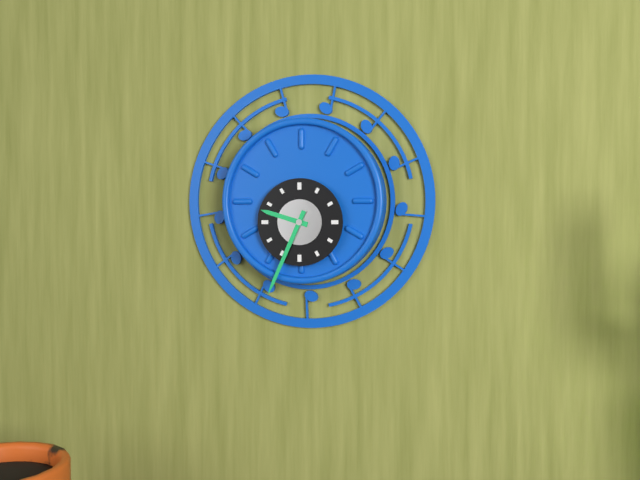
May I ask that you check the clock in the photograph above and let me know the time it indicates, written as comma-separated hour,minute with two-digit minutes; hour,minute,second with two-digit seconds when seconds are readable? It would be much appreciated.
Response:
9,34
